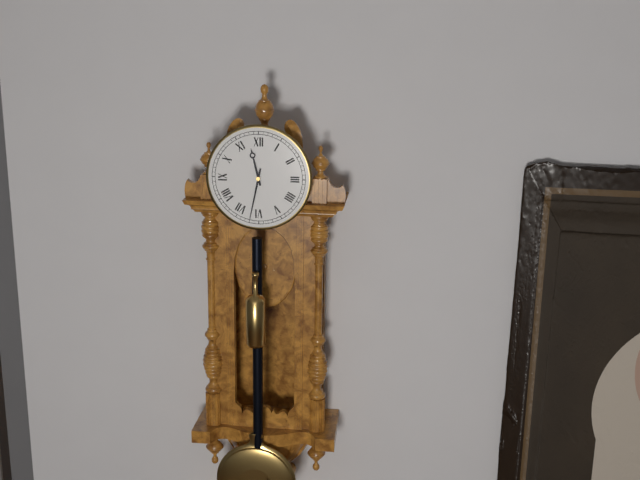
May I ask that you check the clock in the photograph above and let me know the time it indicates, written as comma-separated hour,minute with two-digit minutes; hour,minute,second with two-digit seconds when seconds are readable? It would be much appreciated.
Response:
11,32
